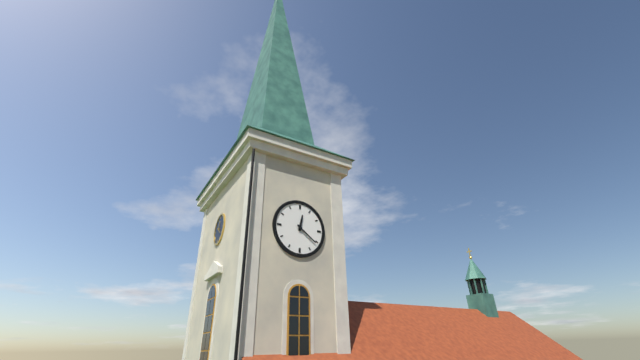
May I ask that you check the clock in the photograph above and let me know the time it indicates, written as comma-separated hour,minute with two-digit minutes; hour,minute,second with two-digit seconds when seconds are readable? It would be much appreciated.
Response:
12,21
